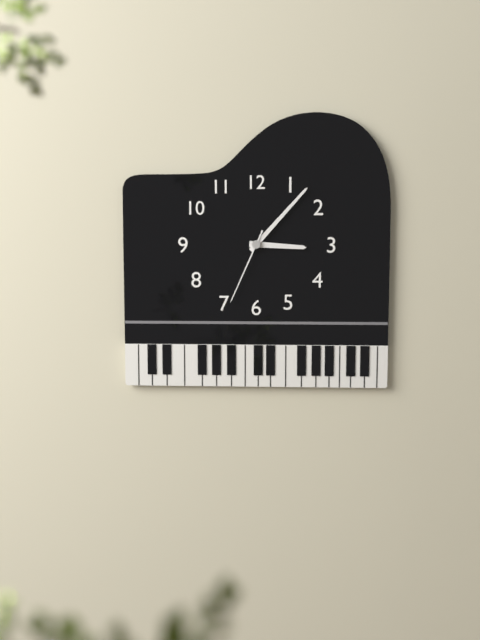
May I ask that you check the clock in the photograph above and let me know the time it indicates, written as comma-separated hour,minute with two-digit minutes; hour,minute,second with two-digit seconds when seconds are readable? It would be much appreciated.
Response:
3,07,34
